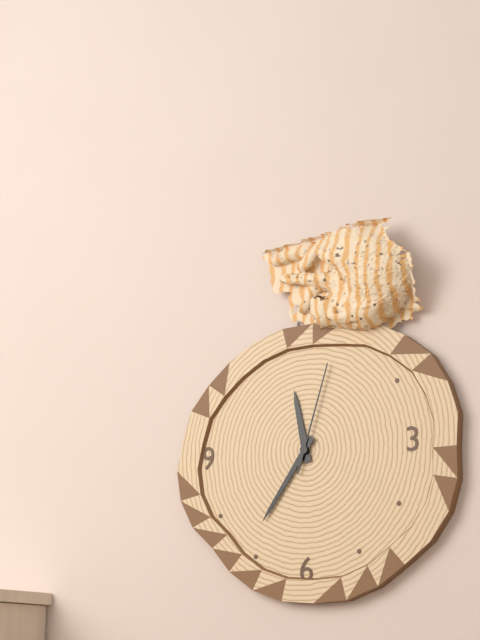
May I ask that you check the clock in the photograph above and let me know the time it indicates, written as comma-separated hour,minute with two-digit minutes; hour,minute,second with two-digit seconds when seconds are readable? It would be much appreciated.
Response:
11,36,03
